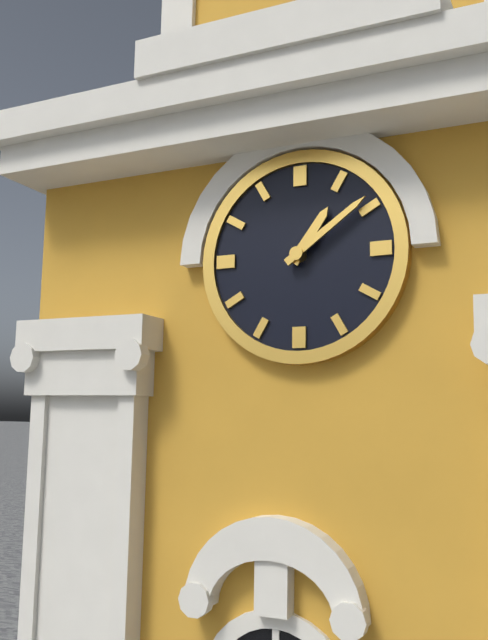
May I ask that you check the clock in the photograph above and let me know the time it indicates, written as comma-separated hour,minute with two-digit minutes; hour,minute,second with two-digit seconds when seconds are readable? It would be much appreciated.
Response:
1,09
